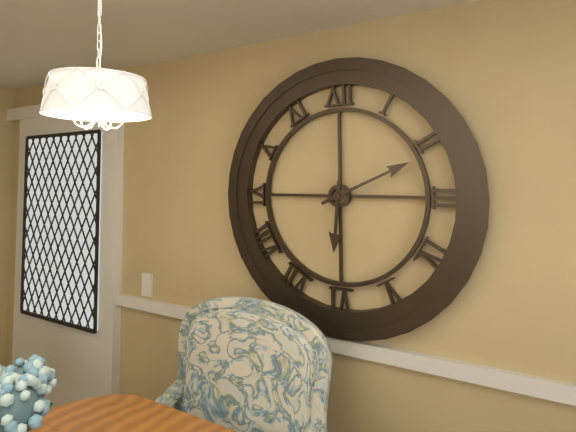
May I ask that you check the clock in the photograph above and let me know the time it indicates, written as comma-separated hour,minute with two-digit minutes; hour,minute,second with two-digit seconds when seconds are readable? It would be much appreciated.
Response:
6,11
